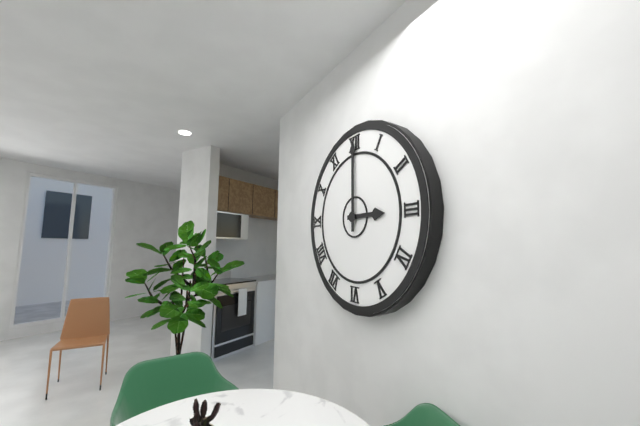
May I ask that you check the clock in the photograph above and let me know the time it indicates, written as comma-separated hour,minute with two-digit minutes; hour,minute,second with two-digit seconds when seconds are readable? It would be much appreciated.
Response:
3,00
